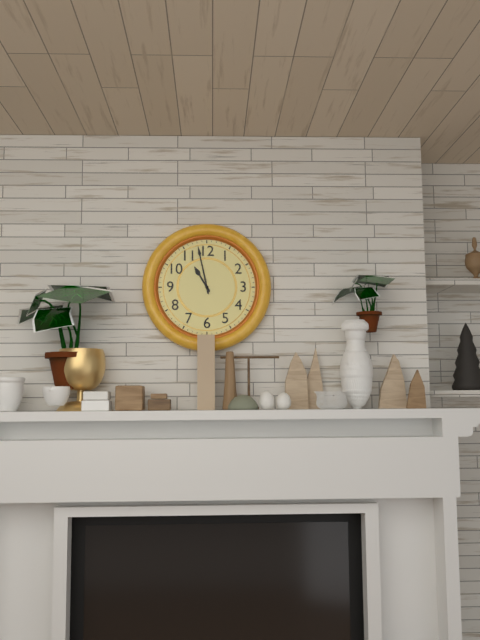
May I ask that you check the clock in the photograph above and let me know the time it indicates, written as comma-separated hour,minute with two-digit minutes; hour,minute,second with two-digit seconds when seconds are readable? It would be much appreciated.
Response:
10,58
